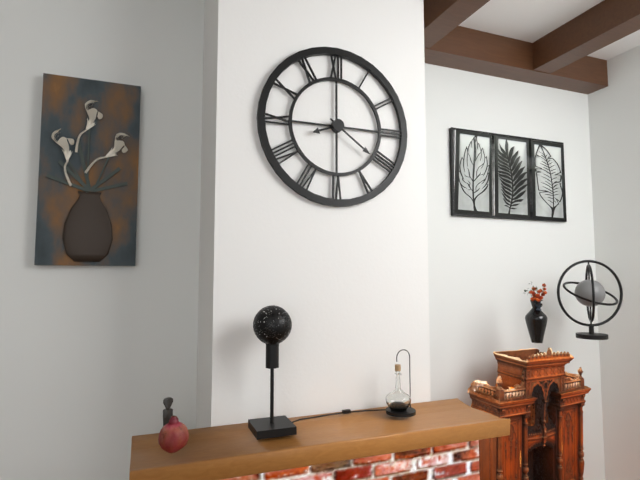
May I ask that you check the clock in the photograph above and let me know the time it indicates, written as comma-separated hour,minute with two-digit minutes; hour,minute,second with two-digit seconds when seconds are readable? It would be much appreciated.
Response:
8,21
